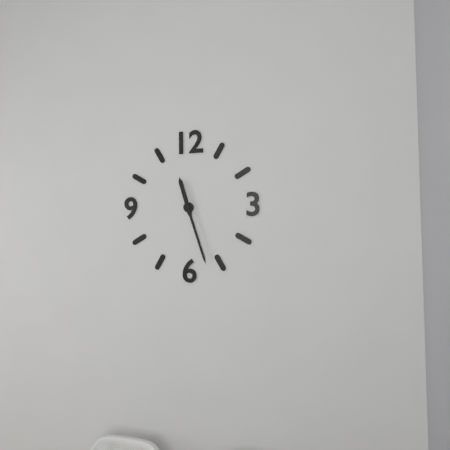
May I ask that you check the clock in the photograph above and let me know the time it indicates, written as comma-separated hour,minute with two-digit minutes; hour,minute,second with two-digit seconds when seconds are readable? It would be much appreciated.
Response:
11,27
